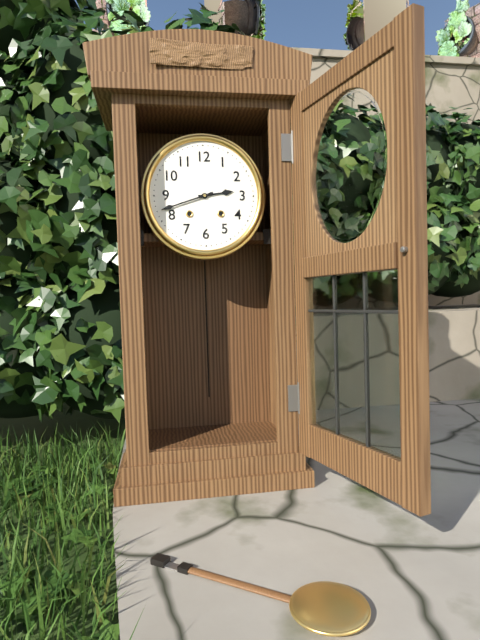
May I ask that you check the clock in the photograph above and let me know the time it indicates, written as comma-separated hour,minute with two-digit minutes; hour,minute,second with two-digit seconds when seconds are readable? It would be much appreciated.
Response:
2,42
